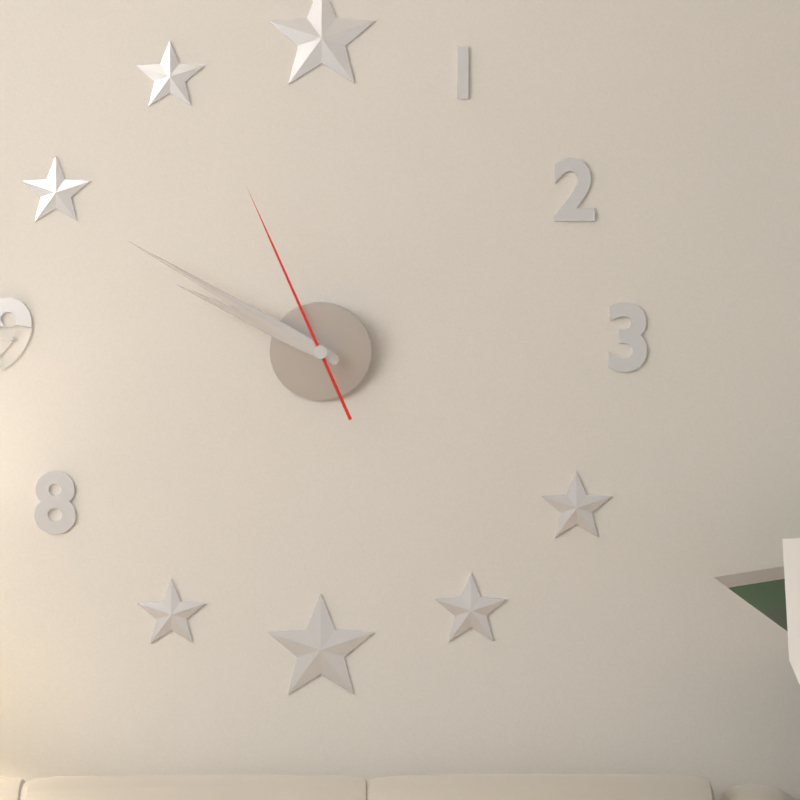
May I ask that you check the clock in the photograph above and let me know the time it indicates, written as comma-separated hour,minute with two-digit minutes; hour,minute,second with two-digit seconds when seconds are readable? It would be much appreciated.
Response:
9,50,56
